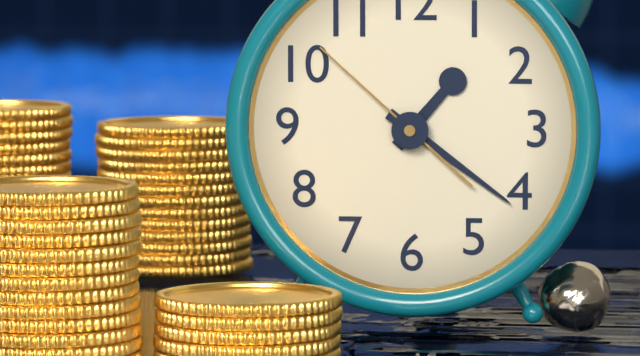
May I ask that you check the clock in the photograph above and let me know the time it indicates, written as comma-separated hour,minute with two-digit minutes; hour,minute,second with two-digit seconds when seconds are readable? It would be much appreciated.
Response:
1,21,52
